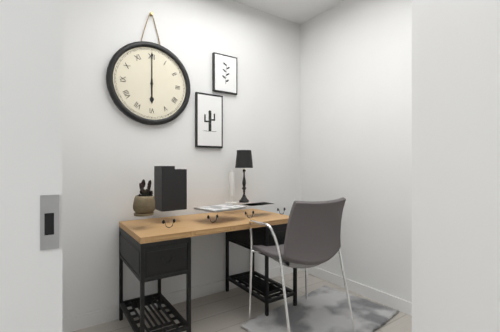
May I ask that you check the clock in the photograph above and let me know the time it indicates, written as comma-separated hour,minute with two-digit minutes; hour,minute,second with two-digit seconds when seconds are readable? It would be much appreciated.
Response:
6,00
